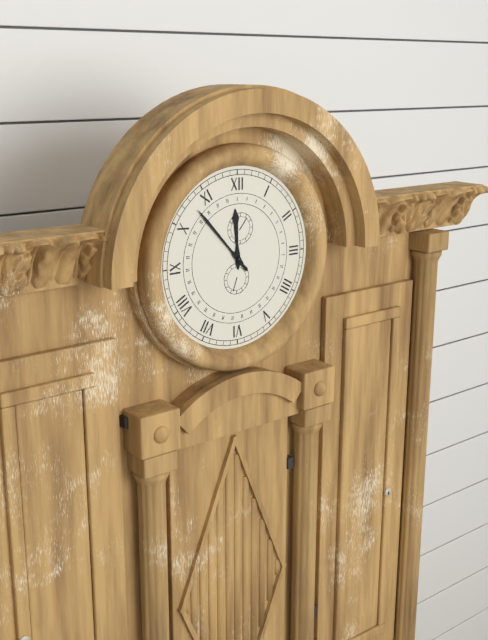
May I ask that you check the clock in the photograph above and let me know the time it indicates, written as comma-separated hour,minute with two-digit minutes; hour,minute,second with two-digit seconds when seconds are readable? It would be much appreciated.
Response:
11,53
